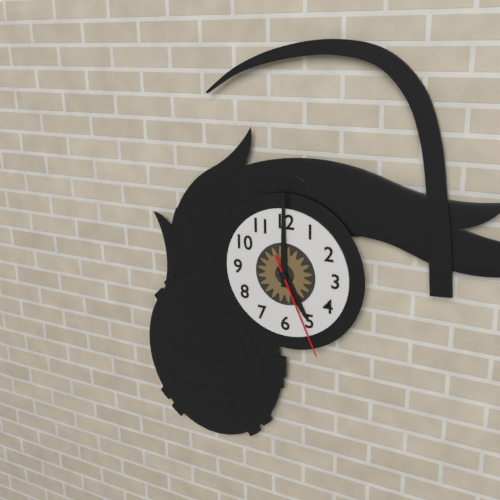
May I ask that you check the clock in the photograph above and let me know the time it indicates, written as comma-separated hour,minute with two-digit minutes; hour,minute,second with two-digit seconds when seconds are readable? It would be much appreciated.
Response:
5,00,26
